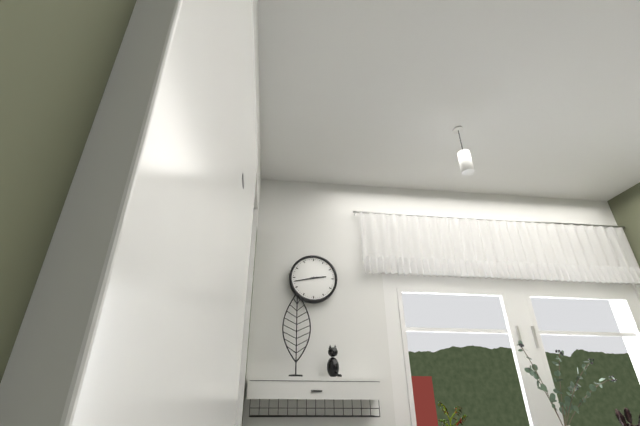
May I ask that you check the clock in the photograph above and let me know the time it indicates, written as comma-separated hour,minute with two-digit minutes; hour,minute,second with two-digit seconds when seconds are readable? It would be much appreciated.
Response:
2,43
